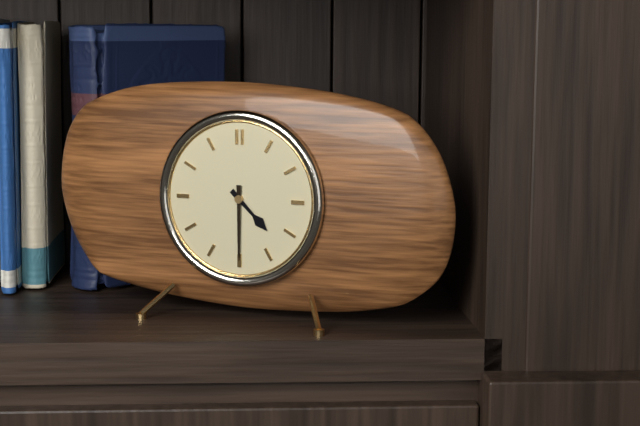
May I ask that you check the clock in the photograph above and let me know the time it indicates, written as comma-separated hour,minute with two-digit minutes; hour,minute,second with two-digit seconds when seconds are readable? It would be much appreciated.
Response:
4,30
